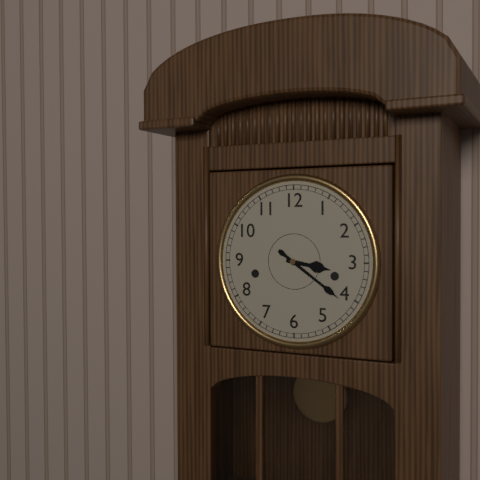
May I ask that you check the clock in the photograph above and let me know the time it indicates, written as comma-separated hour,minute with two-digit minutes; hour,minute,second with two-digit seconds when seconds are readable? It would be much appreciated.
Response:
3,21
